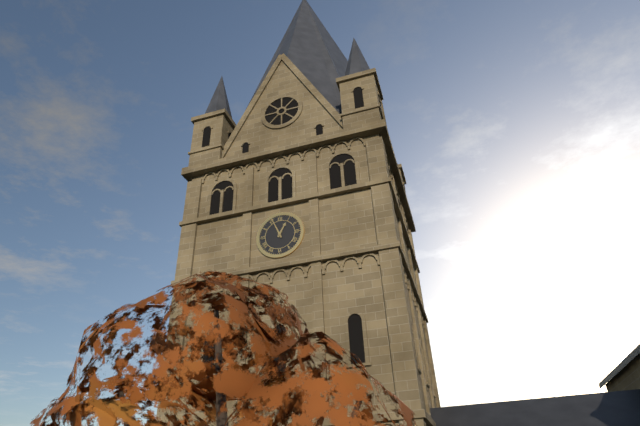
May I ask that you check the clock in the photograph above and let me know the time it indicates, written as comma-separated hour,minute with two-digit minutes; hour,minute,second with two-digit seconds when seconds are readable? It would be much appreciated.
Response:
12,56
